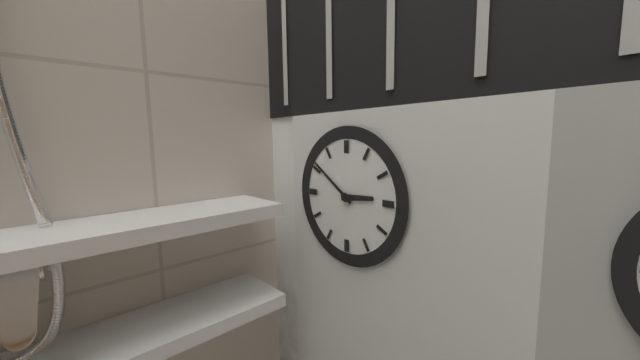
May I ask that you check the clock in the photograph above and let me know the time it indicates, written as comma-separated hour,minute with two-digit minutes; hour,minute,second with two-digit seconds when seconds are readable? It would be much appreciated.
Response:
2,51
